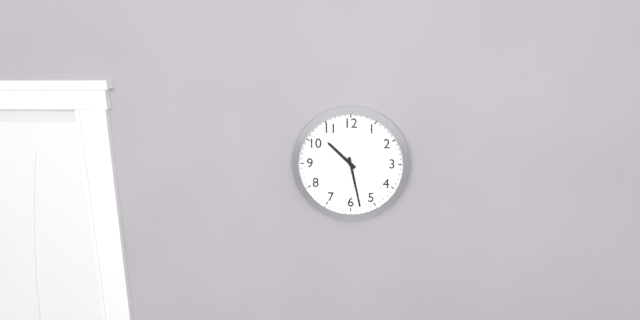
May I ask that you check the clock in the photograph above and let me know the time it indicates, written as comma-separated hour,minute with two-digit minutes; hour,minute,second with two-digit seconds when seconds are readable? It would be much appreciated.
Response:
10,28
